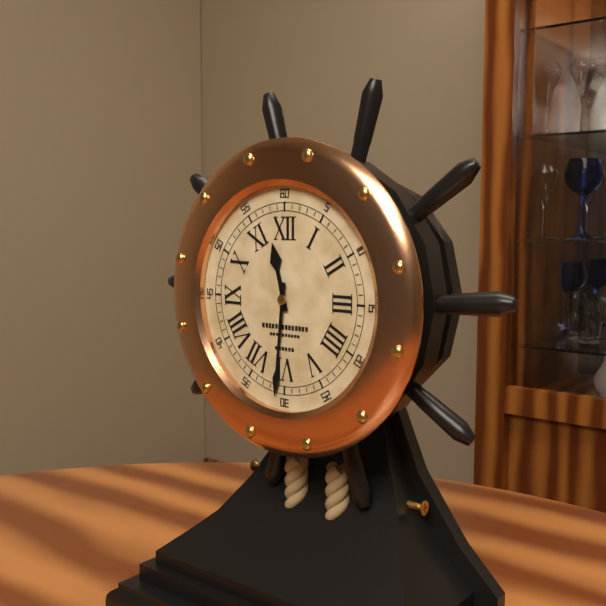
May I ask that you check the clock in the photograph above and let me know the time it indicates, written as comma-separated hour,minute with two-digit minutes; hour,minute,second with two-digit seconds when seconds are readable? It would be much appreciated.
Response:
11,31
